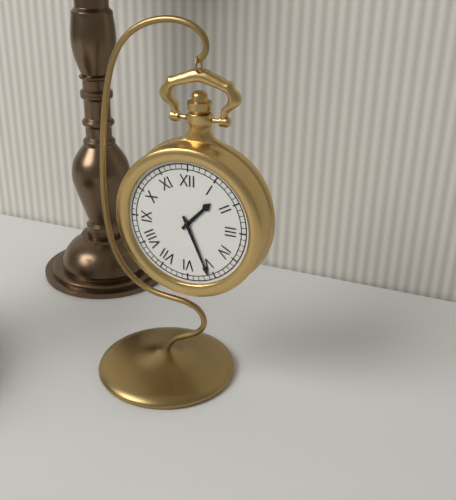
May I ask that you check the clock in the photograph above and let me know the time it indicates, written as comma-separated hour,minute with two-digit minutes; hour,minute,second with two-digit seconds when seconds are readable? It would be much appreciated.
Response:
1,26
